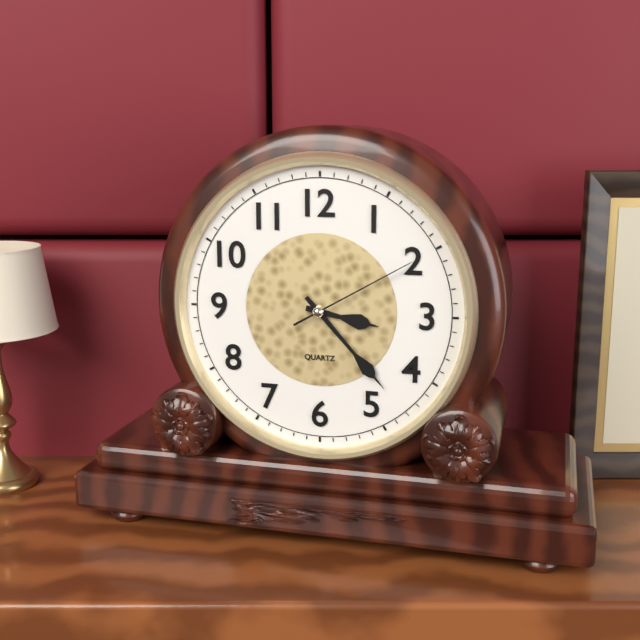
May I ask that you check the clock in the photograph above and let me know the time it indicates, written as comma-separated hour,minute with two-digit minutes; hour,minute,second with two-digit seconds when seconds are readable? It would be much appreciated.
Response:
3,23,10
